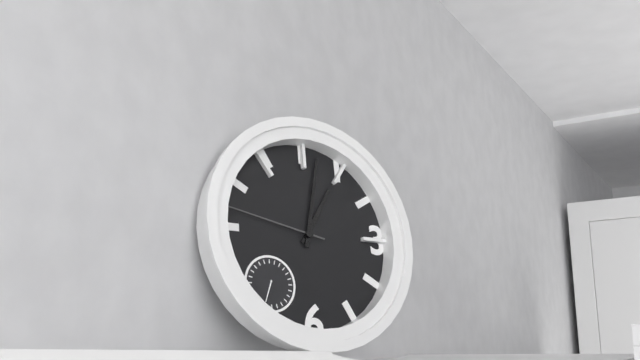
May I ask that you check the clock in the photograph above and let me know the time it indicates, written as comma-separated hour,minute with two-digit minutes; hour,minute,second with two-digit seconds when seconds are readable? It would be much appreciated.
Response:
1,02,47
